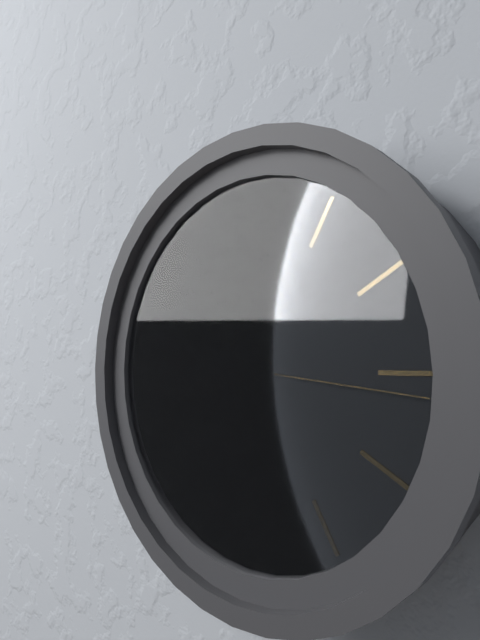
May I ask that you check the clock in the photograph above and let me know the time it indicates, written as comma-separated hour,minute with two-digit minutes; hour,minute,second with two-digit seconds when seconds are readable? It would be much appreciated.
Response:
7,53,16
